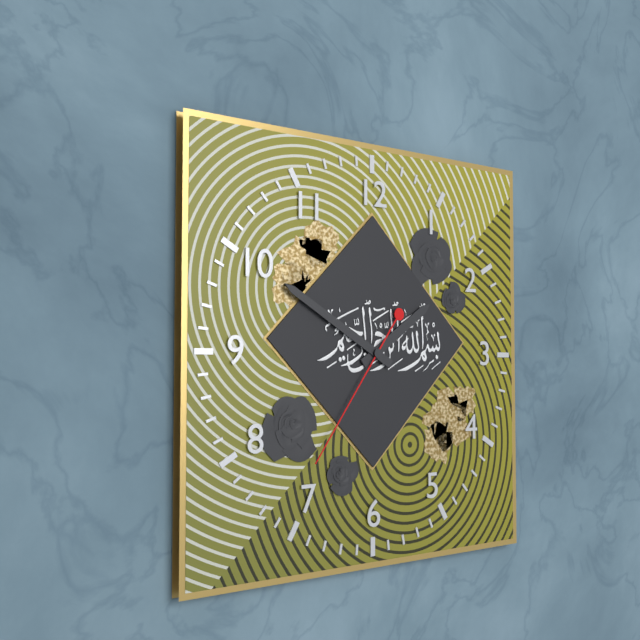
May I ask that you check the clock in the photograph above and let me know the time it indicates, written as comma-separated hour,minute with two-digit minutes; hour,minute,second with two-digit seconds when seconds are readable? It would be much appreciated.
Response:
1,50,36
